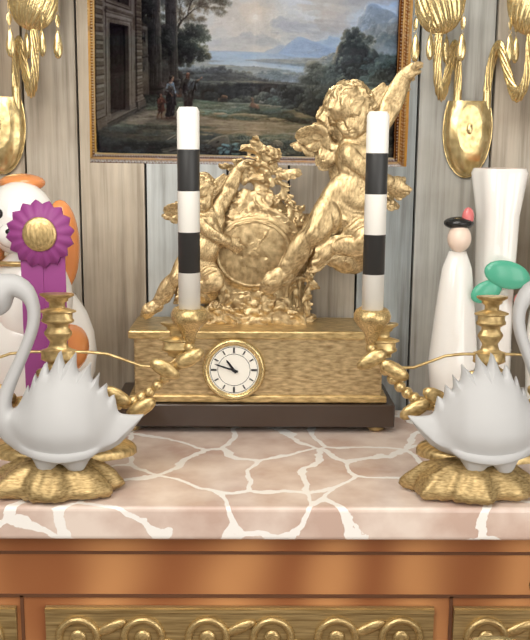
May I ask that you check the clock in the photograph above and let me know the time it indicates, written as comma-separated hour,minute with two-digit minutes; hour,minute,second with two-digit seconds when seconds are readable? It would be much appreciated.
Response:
10,48
